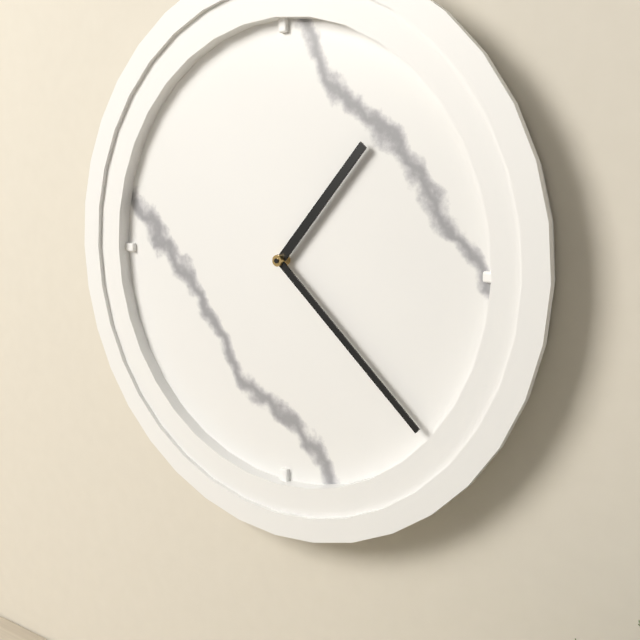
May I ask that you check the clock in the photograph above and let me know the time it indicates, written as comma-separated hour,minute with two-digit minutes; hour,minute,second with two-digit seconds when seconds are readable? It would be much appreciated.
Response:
1,22
